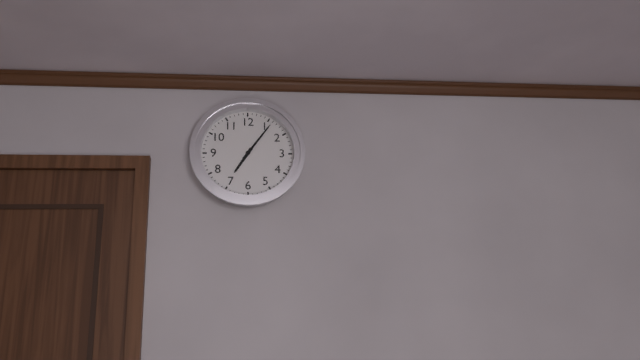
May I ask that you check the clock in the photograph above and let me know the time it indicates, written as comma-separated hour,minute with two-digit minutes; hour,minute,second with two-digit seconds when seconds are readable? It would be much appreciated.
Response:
7,06
